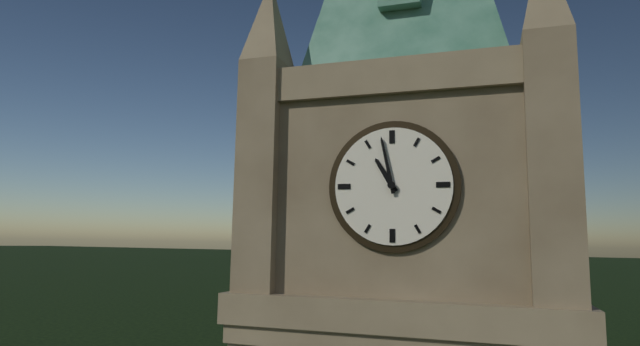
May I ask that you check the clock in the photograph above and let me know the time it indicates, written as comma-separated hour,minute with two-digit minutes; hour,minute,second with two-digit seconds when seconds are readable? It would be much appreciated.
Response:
10,58
